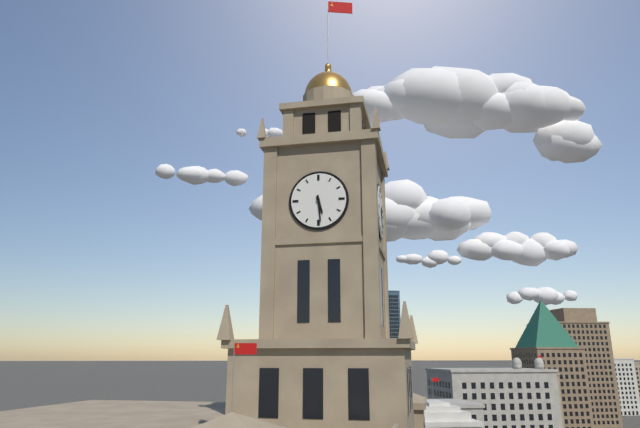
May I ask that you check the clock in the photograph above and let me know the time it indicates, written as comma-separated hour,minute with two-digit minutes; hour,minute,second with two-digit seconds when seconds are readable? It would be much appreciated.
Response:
5,29
